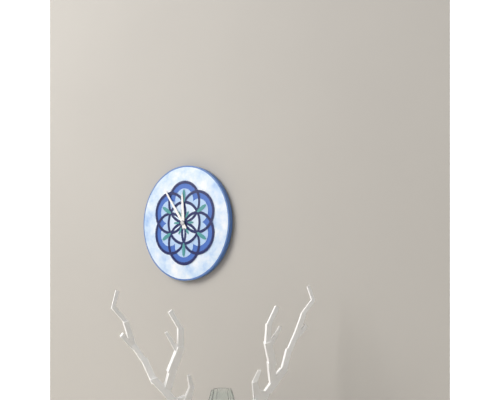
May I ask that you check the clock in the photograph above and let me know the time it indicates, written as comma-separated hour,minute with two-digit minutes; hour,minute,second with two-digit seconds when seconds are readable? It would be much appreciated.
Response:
11,54
